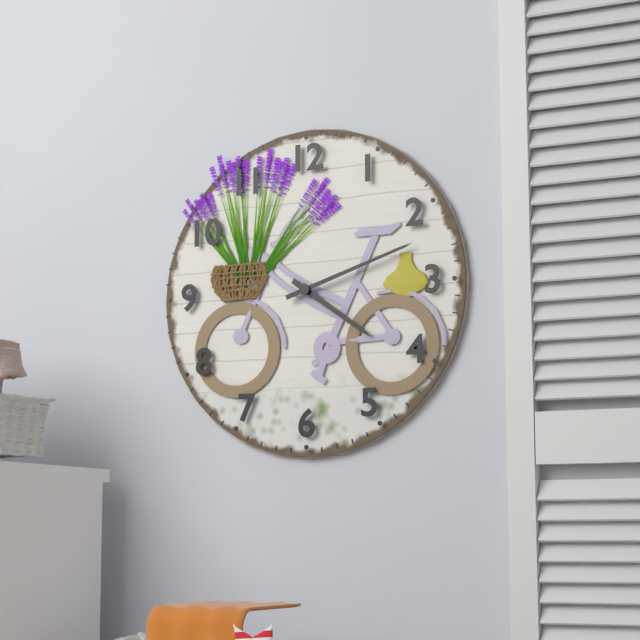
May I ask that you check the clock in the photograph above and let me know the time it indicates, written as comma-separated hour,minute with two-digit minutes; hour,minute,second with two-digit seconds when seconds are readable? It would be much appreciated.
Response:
4,12
